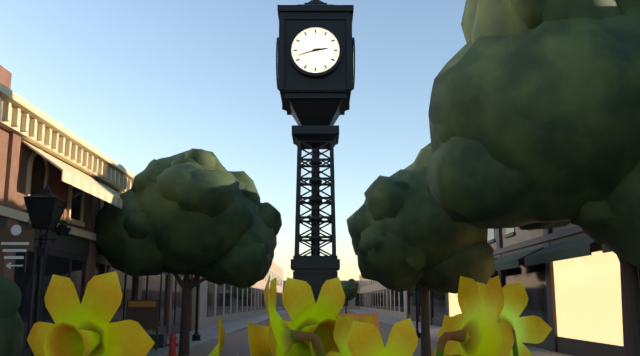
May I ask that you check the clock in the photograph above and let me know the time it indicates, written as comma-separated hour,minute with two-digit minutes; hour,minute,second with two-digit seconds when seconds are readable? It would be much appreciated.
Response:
2,42
